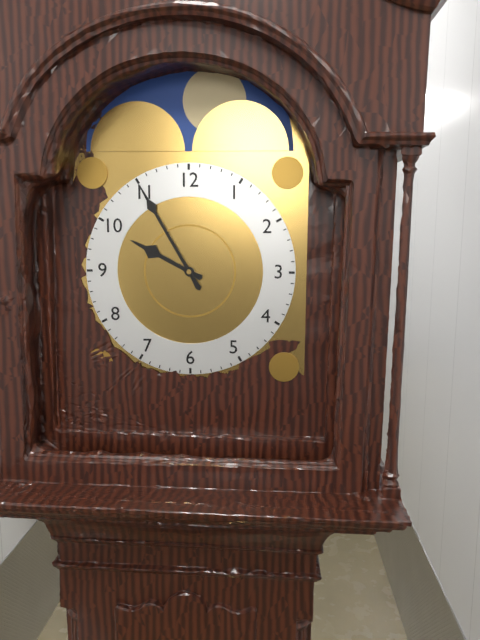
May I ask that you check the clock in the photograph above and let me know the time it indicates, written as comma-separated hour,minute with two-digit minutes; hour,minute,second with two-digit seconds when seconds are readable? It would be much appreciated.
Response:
9,55
